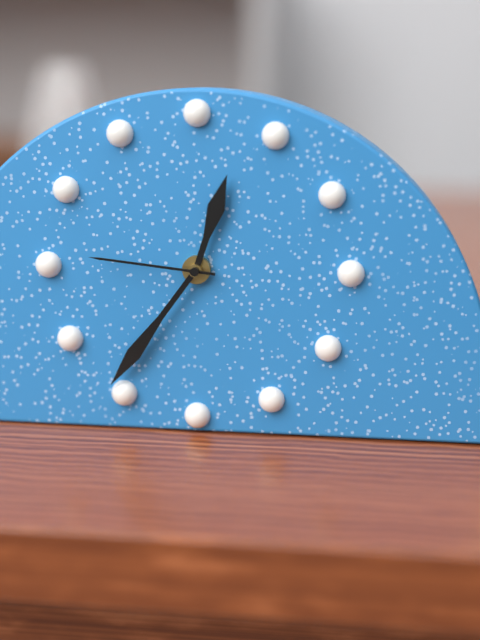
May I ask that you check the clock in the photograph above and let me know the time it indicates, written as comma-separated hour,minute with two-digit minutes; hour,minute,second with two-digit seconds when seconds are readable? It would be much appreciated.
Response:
12,36,46
